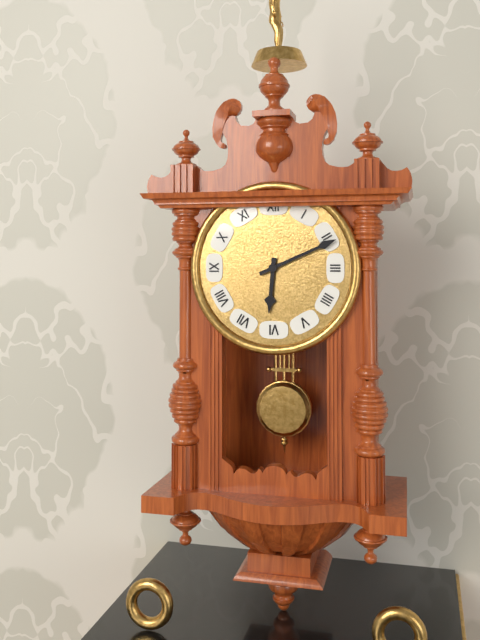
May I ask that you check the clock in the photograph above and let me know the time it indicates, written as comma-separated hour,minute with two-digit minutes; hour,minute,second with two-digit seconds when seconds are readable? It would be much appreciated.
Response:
6,11
